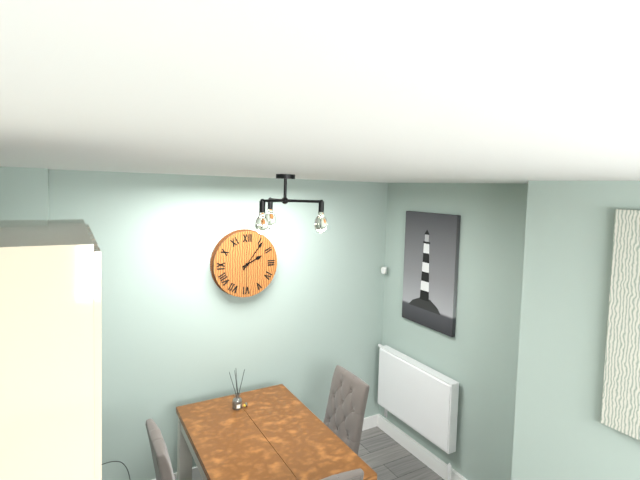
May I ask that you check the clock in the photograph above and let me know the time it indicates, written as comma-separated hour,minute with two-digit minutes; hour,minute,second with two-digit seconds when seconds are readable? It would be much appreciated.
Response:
2,06
